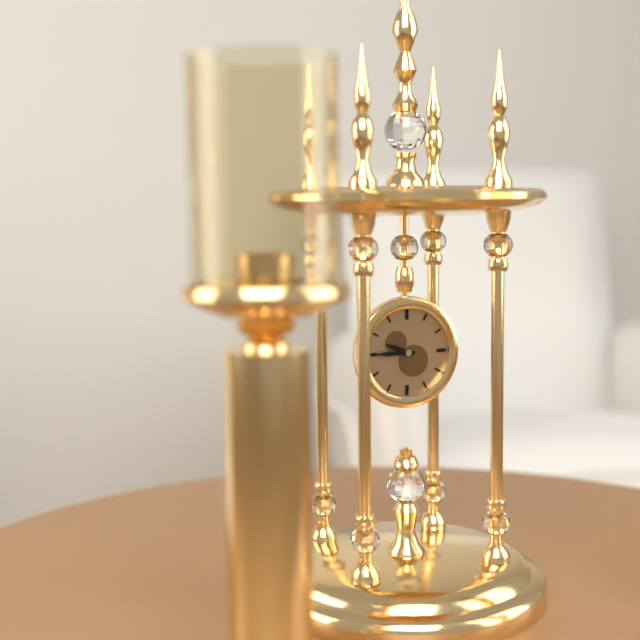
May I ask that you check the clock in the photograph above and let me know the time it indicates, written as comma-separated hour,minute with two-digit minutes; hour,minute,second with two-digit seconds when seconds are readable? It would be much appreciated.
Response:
9,45
